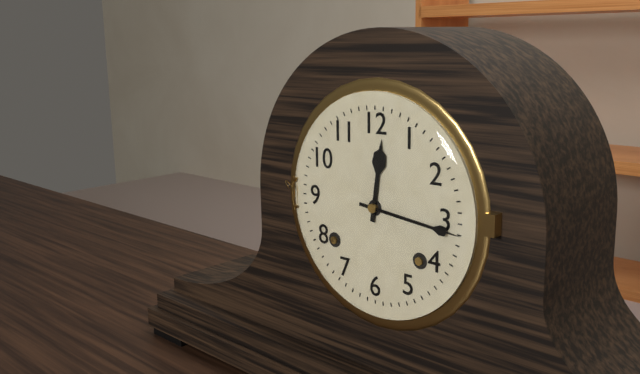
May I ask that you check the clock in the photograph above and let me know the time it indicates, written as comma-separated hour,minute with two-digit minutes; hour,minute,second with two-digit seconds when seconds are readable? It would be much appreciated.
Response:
12,16
